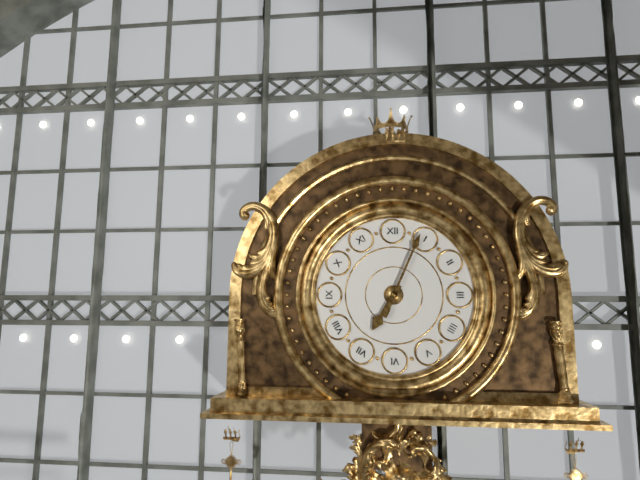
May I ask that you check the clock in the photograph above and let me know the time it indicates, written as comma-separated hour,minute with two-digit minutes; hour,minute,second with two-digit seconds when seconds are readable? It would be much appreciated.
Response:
7,04
